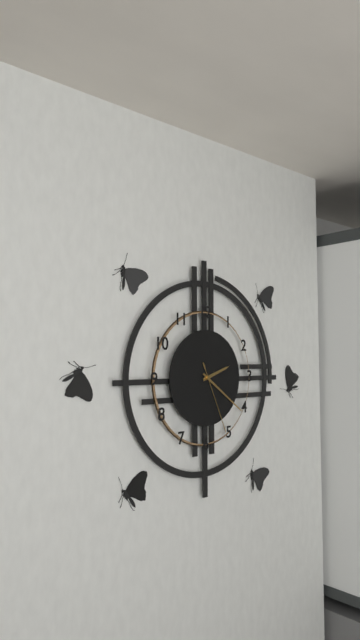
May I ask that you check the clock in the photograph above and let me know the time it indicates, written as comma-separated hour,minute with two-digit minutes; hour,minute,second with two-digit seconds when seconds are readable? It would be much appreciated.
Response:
2,21,26
